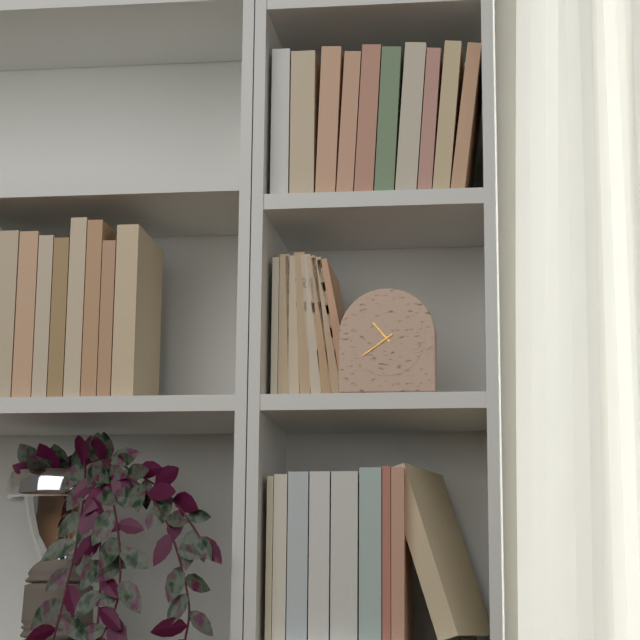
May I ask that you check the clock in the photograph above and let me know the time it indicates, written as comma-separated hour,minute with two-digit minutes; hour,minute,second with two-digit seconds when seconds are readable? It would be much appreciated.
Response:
10,39
